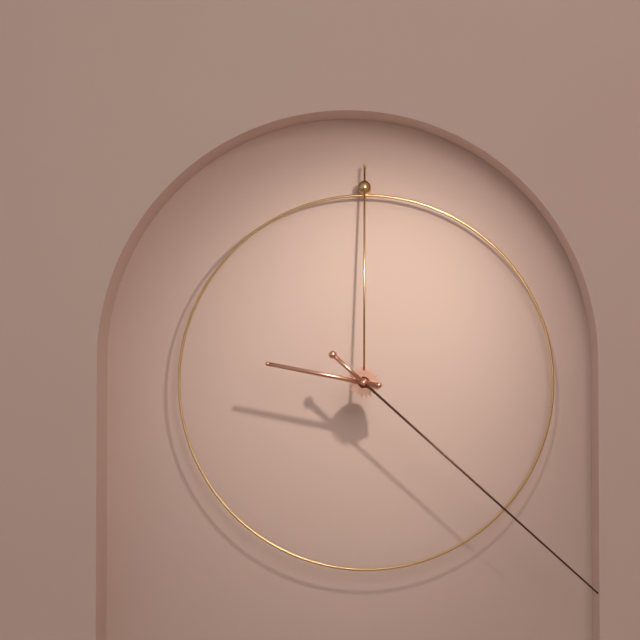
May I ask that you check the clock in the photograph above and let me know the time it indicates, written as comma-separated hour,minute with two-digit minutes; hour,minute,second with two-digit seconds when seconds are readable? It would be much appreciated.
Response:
9,22
